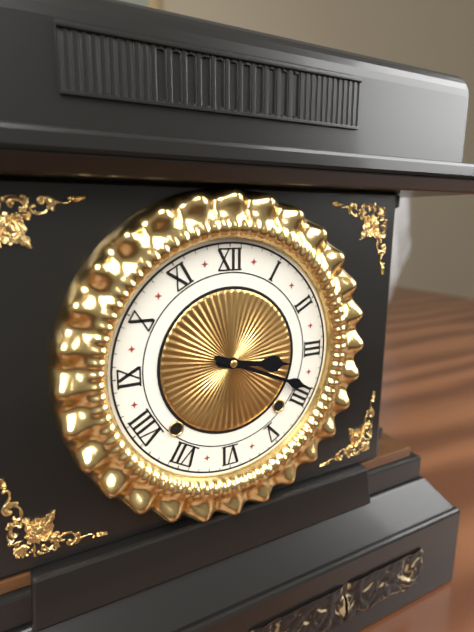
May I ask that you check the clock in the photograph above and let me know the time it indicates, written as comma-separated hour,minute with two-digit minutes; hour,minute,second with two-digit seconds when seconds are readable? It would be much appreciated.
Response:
3,19
